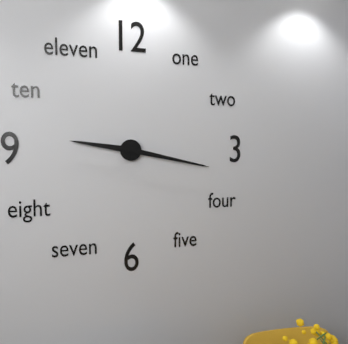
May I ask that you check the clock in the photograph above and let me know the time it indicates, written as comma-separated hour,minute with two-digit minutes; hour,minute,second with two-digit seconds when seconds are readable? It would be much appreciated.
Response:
9,17
